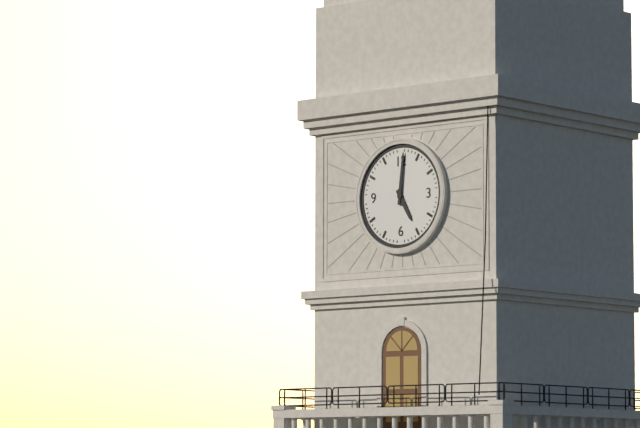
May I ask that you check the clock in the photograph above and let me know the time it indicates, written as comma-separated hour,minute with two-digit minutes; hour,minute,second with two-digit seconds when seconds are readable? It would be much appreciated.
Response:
5,01
